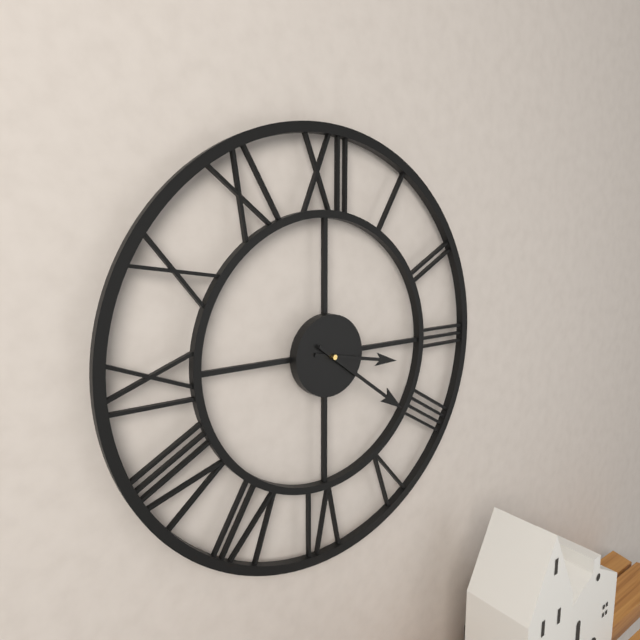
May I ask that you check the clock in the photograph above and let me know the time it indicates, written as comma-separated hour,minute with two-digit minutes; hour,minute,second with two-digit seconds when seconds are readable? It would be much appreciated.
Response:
3,21
